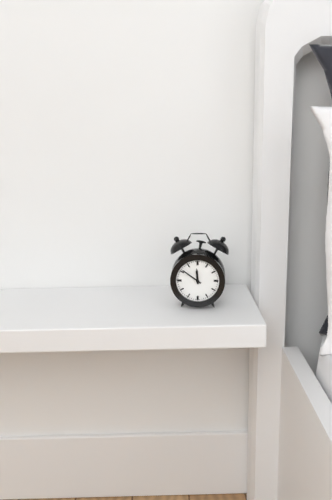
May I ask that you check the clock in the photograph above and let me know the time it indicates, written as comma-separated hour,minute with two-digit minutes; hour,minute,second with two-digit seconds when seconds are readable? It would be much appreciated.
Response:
11,51
